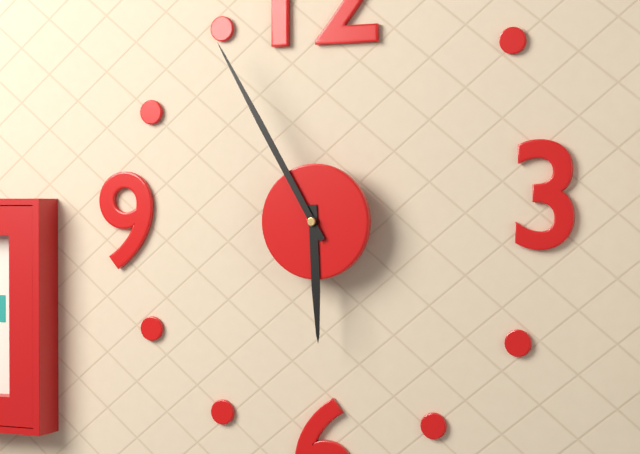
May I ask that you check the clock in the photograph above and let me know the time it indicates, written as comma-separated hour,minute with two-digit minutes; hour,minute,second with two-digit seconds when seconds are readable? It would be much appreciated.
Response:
5,55
